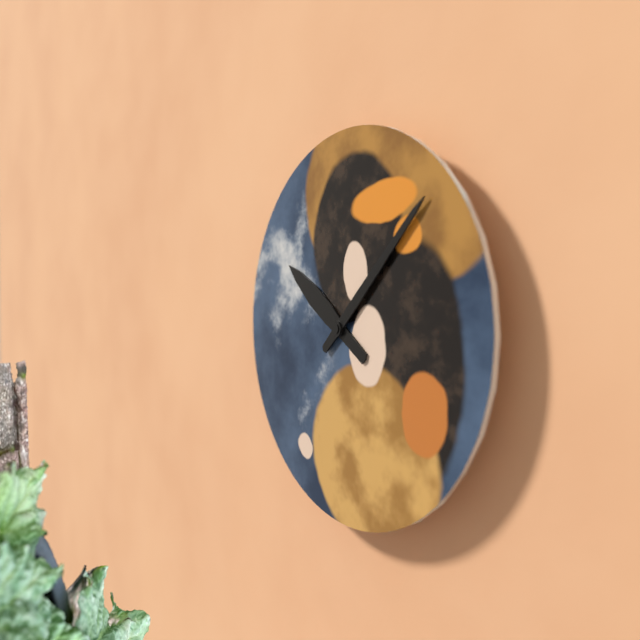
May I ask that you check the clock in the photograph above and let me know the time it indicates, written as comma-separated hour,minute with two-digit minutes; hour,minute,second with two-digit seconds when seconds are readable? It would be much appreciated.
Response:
10,08
